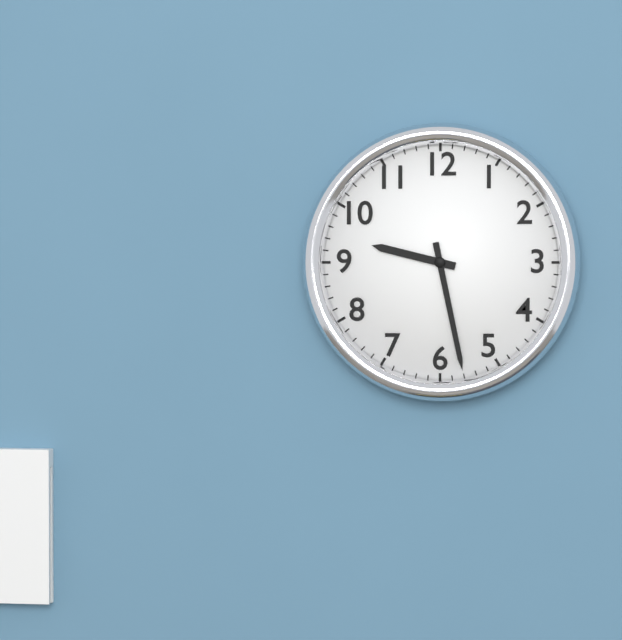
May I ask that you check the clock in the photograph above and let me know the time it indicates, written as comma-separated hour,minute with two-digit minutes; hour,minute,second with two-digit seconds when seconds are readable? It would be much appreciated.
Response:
9,28
